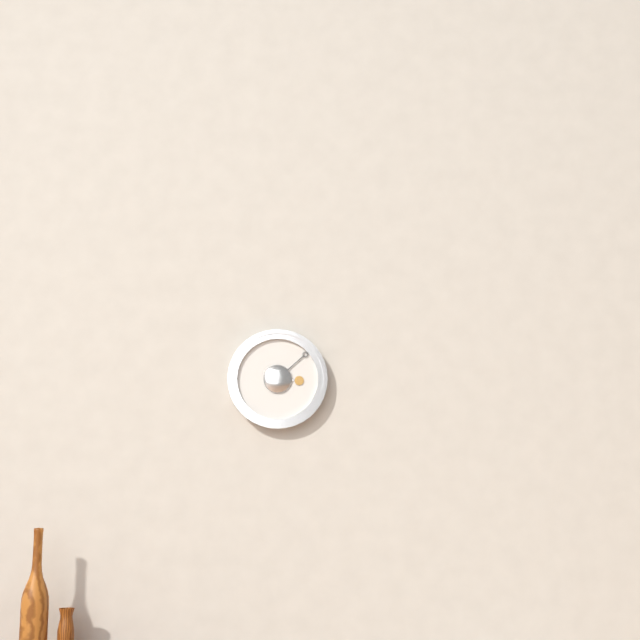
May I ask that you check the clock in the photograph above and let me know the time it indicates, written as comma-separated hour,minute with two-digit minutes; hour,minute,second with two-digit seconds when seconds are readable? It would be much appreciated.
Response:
3,08
